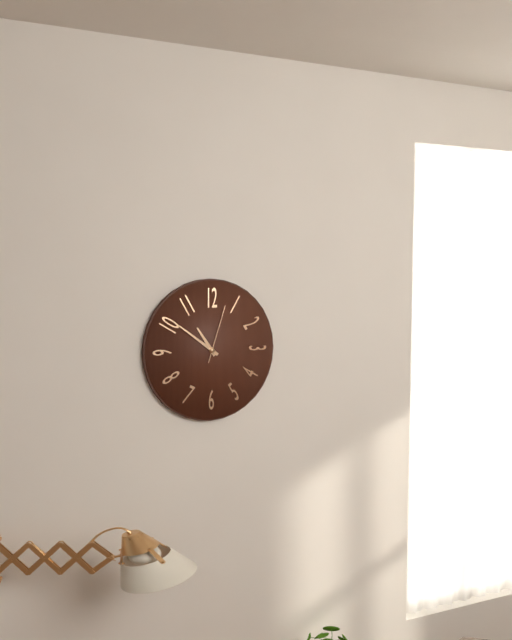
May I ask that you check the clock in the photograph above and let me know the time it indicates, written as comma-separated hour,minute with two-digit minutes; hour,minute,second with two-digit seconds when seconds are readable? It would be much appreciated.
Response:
10,51,03
